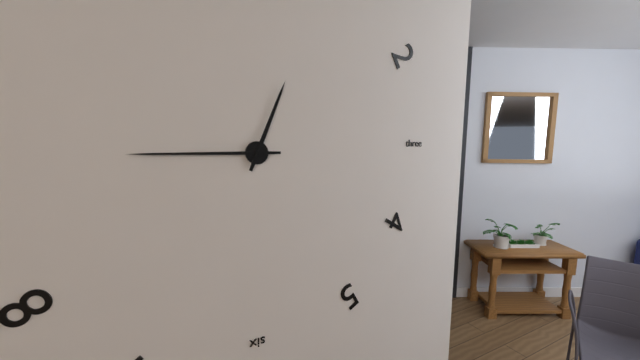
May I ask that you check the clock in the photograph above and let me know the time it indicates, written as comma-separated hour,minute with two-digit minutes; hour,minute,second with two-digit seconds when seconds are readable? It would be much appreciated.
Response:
12,45
